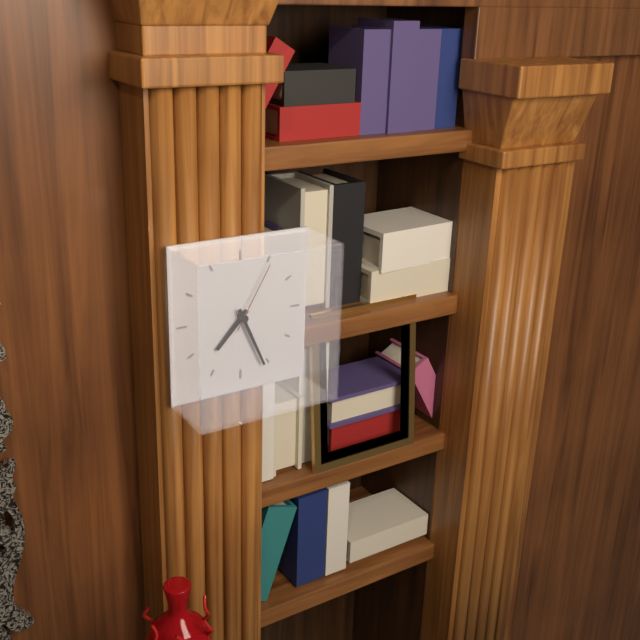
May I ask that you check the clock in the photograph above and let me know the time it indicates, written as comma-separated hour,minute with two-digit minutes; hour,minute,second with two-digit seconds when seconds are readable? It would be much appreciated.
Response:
7,26,05
